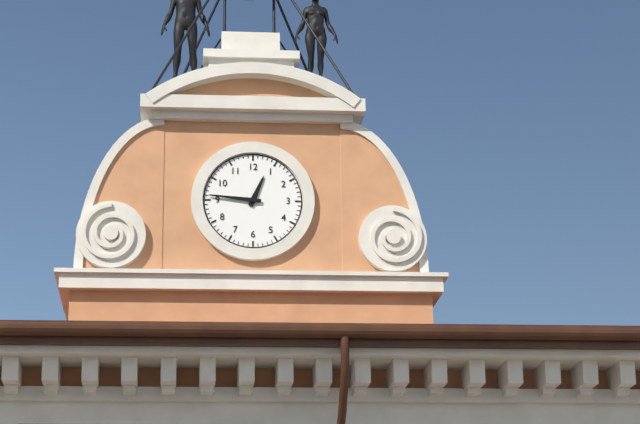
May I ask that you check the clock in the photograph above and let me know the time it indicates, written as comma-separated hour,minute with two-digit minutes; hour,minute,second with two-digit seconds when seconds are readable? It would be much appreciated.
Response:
12,46
